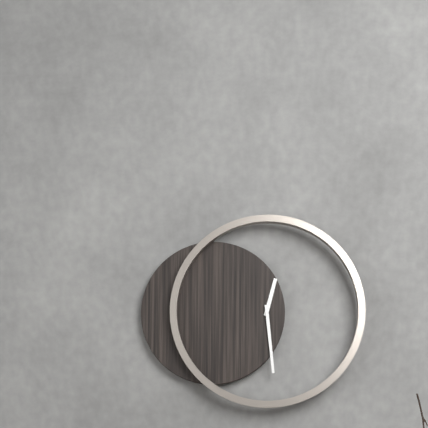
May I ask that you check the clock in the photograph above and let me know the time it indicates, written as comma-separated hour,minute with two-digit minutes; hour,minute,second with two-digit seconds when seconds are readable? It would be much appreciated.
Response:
12,29
